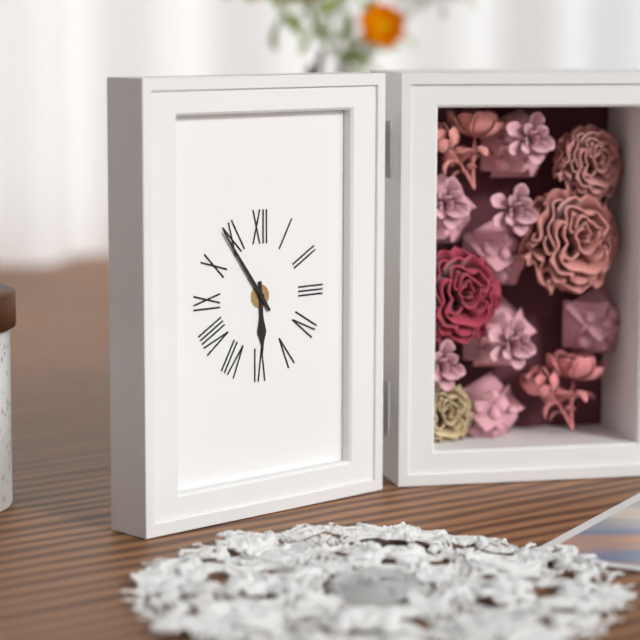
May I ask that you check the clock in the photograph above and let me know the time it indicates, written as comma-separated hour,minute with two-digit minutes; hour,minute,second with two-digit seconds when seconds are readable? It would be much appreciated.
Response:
5,54
